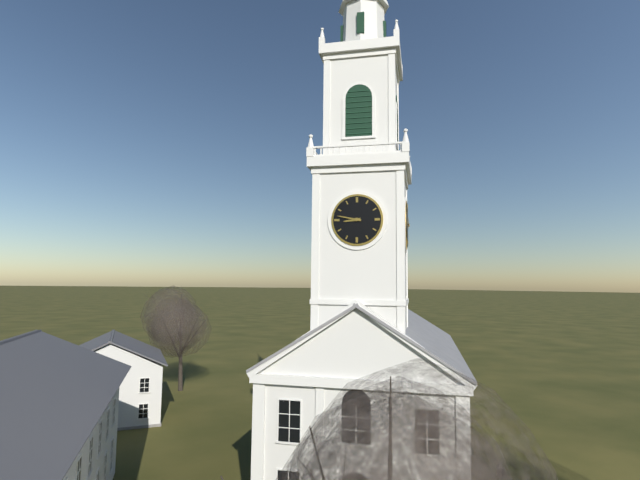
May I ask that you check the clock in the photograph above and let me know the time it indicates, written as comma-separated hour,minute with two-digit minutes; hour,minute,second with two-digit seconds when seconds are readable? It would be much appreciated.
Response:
8,47
